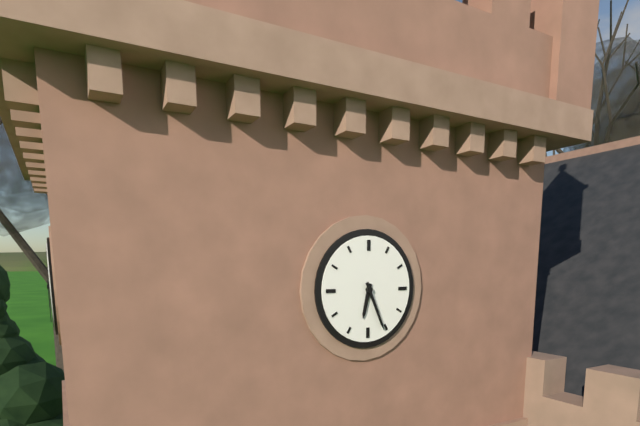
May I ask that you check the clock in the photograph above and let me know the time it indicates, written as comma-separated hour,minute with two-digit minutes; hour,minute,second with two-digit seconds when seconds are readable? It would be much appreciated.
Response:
6,26
